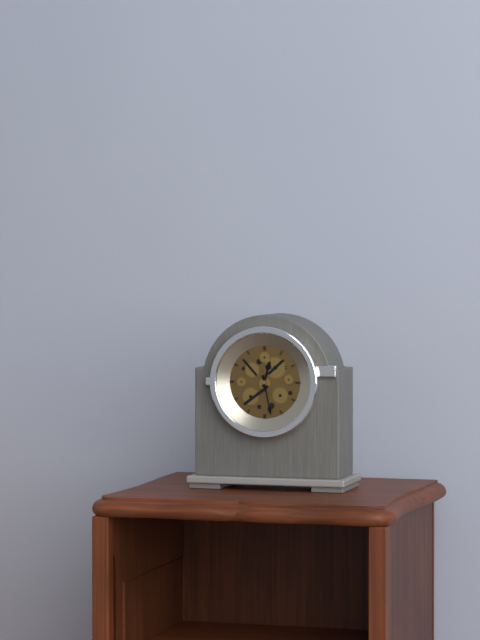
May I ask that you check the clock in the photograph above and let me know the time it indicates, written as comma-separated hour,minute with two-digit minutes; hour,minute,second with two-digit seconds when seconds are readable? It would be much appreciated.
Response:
12,28
